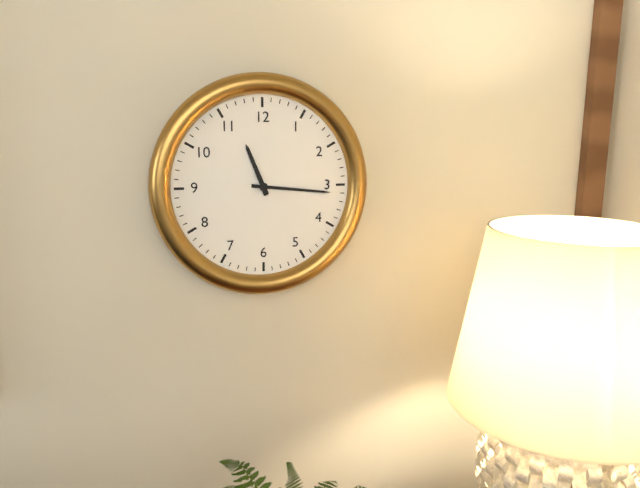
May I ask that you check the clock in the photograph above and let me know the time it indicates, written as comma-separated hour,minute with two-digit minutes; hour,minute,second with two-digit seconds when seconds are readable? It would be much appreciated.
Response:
11,16
